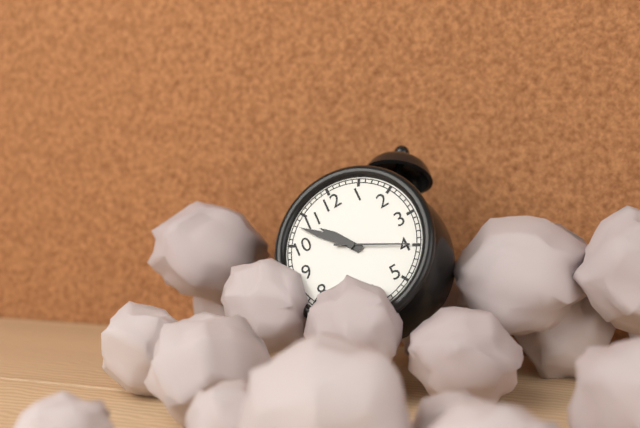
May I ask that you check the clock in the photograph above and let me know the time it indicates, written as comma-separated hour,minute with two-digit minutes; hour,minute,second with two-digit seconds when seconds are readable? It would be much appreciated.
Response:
10,53,20
